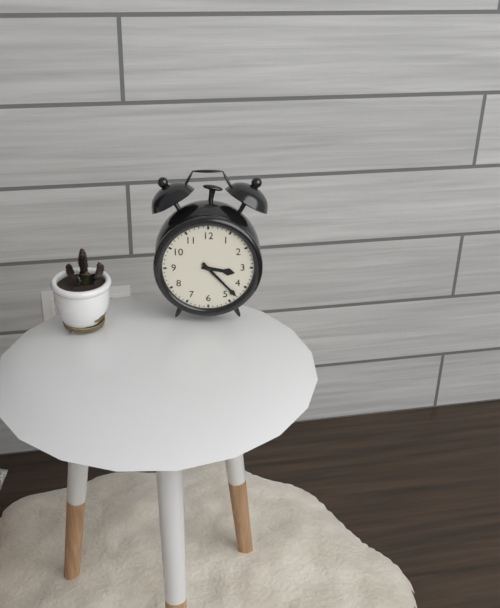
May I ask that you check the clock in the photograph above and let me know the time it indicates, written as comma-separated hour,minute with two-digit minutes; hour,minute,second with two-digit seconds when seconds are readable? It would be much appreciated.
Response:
3,23
